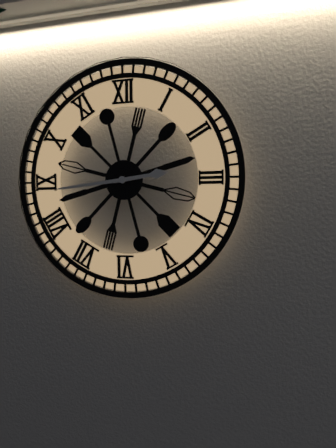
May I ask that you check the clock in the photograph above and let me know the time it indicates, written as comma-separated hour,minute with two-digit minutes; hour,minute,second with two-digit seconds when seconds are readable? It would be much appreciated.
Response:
2,44
